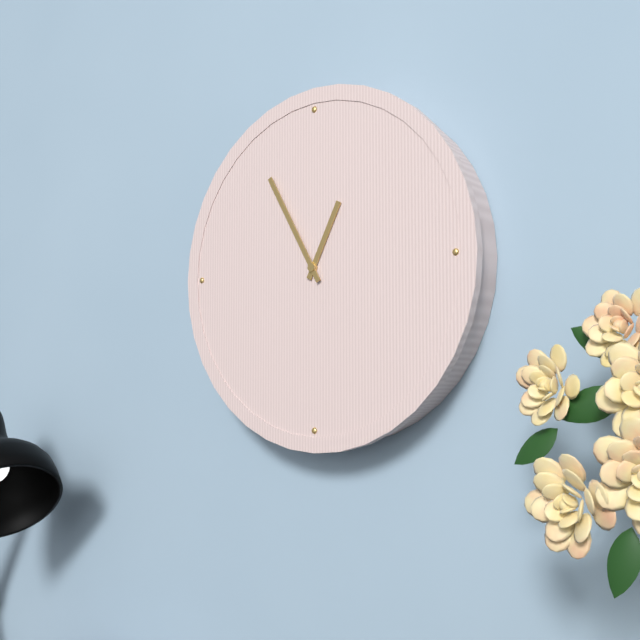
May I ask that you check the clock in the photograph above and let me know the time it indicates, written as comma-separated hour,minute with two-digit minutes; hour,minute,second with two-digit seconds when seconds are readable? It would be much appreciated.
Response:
12,55
